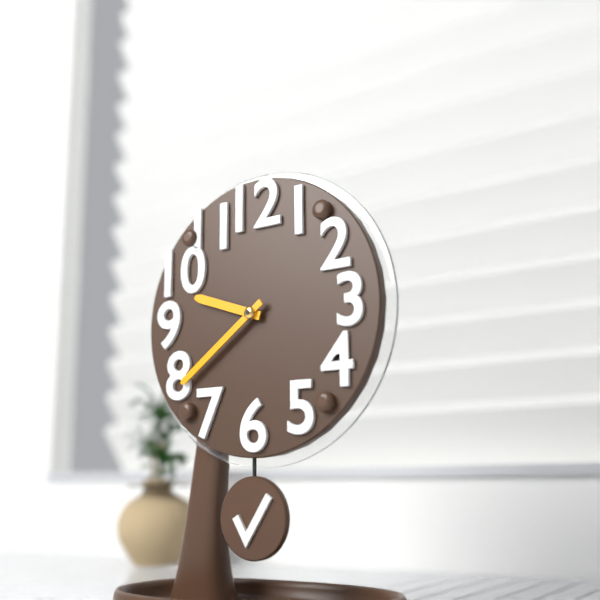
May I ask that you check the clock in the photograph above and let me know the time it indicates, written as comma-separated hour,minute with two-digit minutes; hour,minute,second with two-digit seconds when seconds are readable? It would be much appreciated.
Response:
9,39
